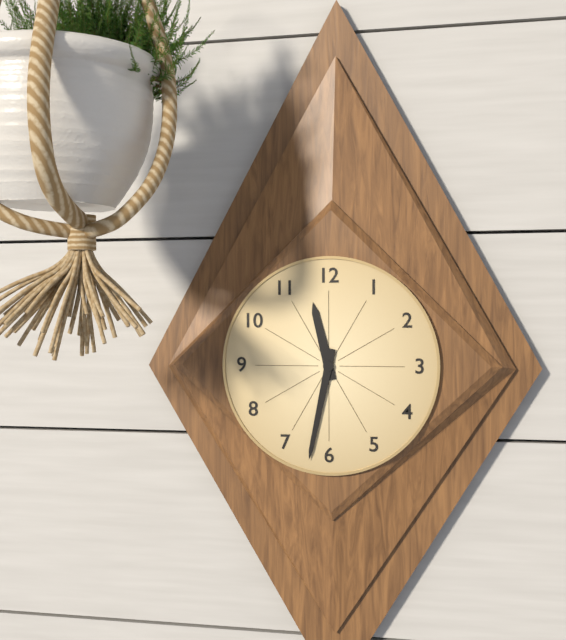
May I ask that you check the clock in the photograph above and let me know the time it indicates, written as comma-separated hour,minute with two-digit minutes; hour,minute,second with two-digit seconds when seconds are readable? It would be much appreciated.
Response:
11,32
